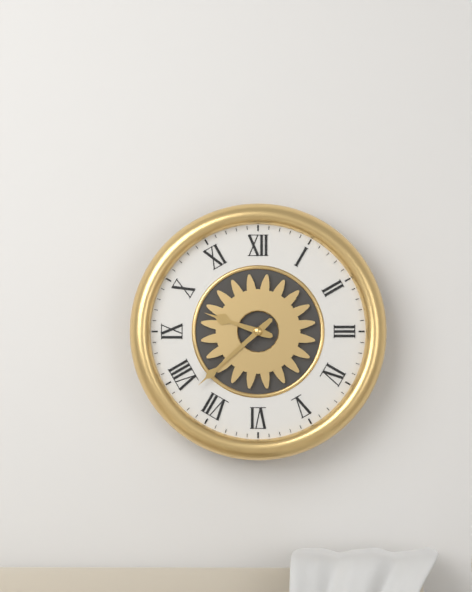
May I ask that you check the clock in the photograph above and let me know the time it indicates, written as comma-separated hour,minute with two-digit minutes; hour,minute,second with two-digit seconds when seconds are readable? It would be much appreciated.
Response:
9,38
